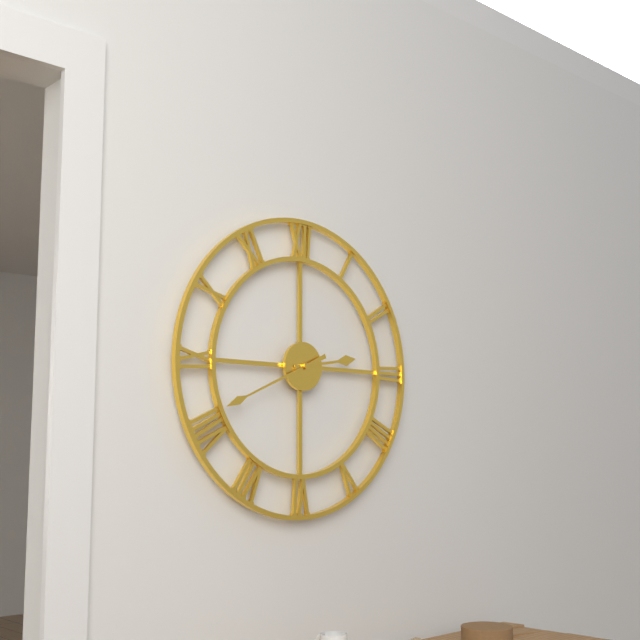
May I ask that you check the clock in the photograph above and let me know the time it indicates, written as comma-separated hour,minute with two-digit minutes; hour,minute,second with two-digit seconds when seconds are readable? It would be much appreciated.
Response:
2,41
